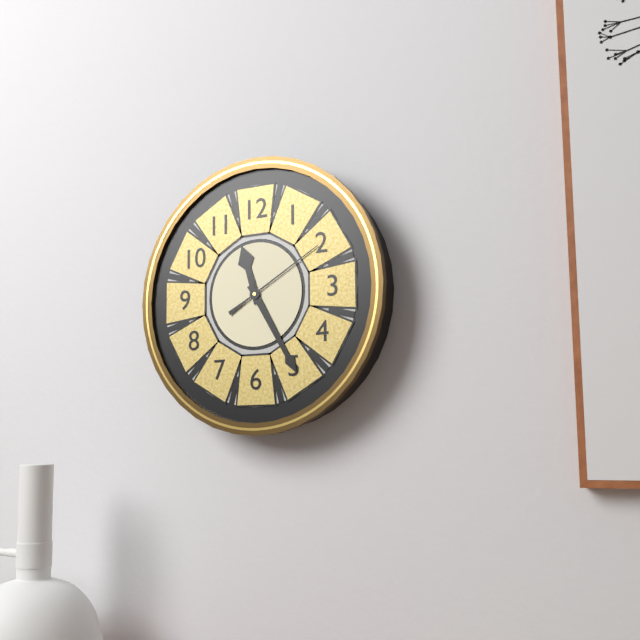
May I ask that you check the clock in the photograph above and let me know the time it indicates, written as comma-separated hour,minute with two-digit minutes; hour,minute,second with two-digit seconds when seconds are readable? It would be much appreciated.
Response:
11,25,10
